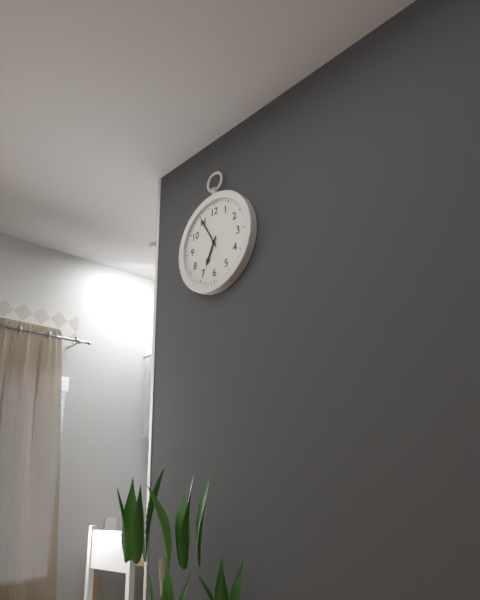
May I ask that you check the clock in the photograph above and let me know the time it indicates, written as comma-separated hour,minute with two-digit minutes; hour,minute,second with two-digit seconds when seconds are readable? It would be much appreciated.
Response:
6,55
